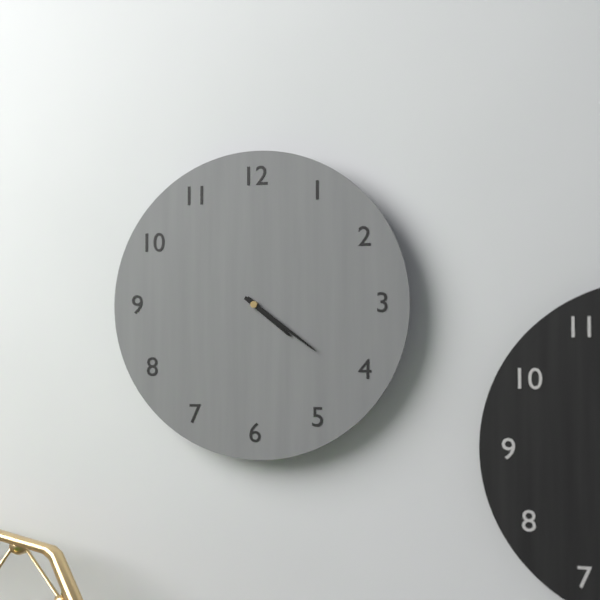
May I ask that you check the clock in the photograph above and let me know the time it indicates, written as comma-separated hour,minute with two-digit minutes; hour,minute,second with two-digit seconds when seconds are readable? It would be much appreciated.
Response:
4,21
